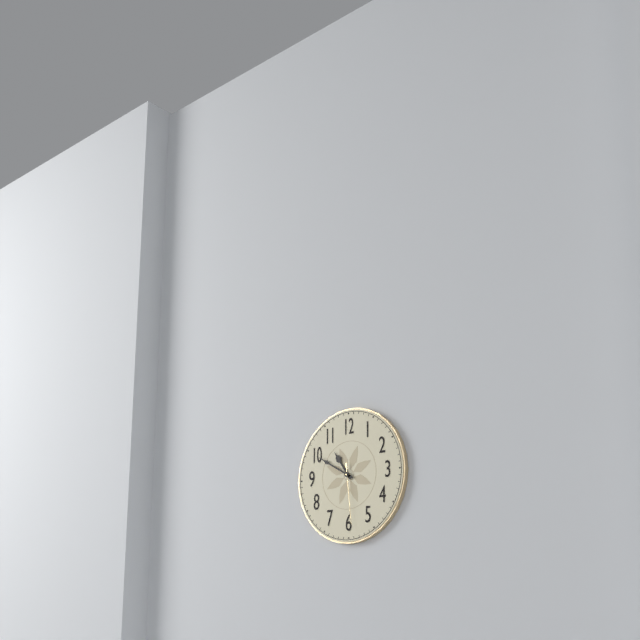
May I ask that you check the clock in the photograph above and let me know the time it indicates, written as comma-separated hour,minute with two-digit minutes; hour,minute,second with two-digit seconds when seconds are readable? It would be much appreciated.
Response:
10,50,29
